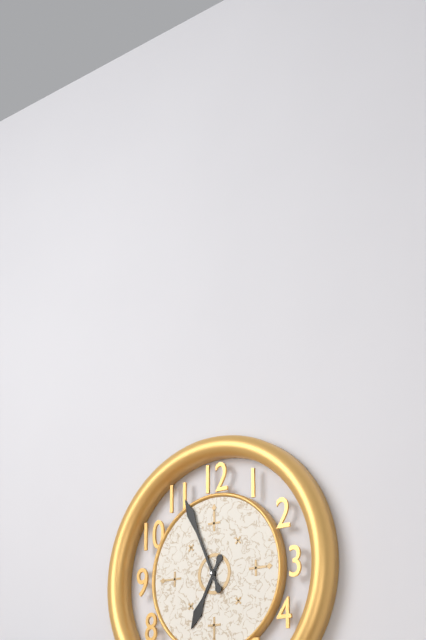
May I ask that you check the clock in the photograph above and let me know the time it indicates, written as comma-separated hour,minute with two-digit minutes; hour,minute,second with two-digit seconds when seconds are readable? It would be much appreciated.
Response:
6,56
